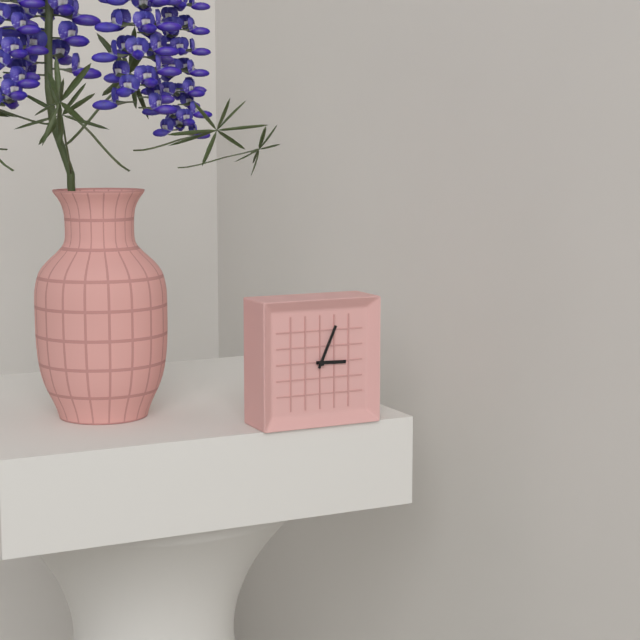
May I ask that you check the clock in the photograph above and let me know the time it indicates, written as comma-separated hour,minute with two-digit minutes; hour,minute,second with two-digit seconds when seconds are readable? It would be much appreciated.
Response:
3,04
